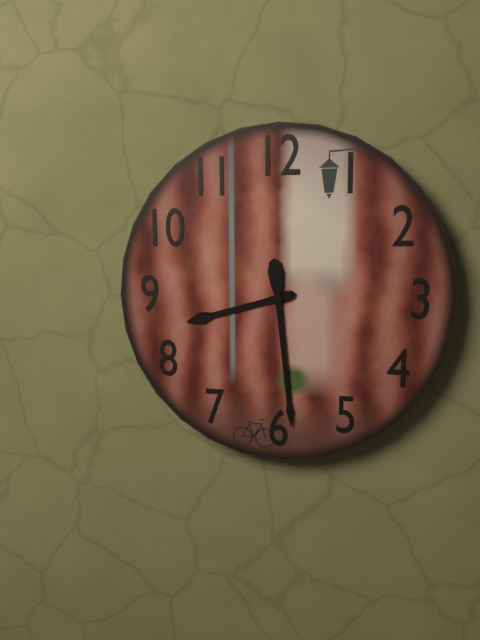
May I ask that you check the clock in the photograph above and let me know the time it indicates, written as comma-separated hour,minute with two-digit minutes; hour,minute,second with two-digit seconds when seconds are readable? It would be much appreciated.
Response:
8,29
